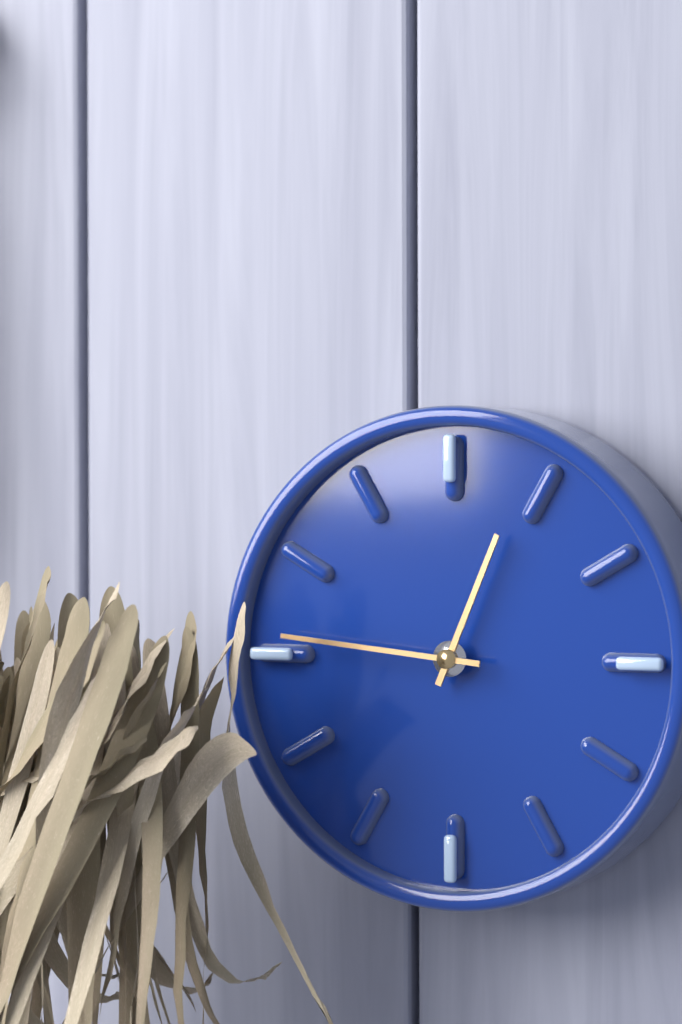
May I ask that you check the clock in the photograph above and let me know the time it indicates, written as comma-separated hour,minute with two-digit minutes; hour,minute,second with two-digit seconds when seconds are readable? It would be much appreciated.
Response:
12,46
